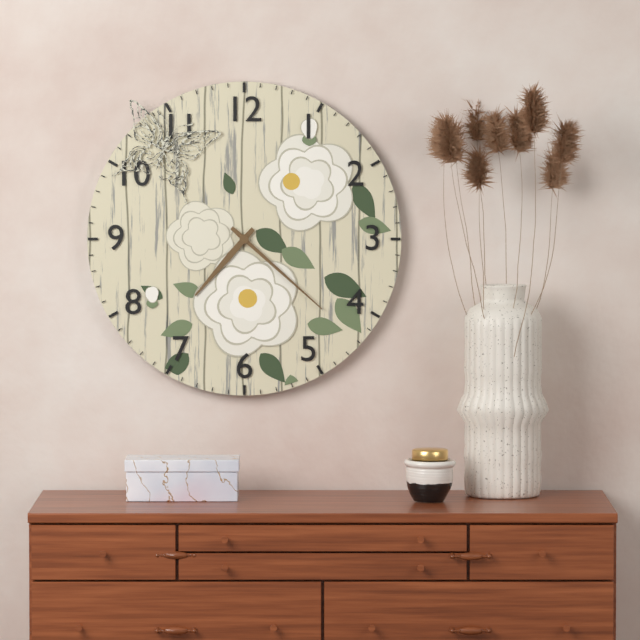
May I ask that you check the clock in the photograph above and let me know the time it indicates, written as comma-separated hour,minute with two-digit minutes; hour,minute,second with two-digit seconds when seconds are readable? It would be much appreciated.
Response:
7,22
